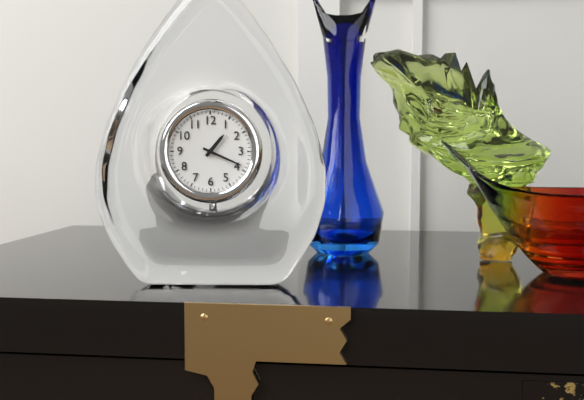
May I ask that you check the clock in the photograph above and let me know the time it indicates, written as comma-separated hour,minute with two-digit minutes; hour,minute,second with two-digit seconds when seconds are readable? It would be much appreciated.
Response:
1,19
